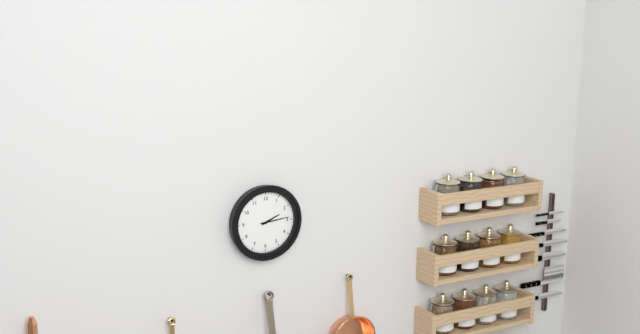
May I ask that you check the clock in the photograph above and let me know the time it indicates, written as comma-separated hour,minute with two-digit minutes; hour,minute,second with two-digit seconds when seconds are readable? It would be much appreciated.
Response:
2,14
